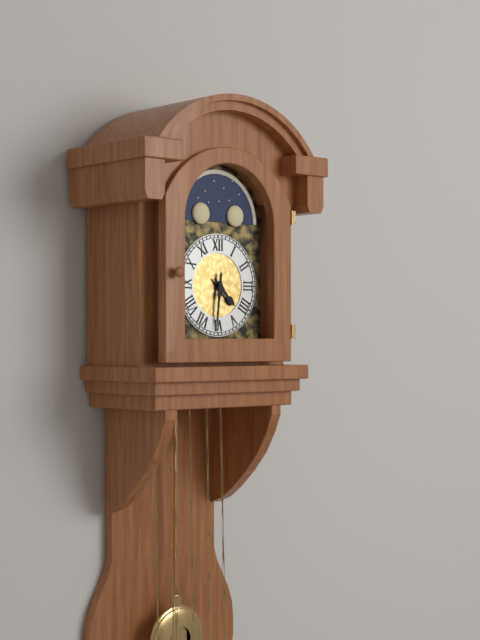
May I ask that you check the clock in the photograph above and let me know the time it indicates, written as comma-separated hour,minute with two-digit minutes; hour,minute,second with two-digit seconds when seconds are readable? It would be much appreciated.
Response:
4,31
